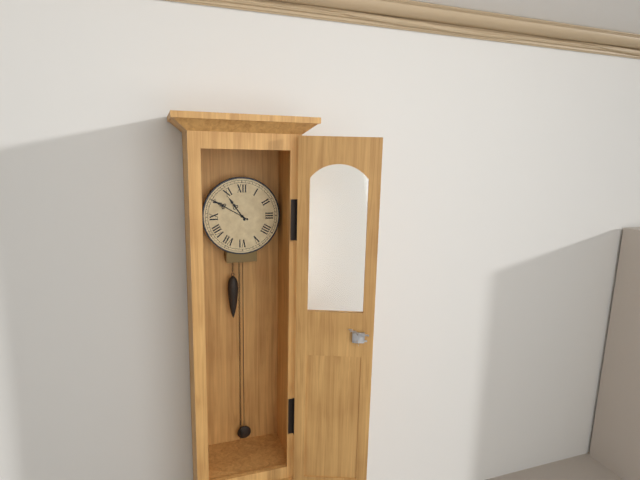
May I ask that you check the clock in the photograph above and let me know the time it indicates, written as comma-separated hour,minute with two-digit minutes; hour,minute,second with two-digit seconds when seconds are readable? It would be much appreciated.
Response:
10,50
